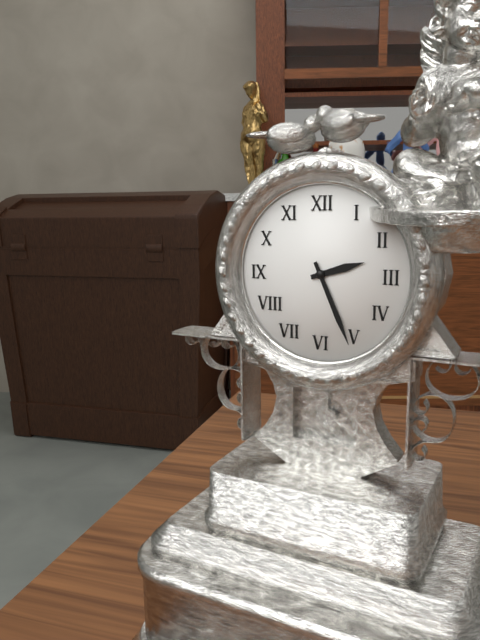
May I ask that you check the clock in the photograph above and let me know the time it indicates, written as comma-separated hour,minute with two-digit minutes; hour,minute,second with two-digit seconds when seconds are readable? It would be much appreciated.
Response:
2,26
